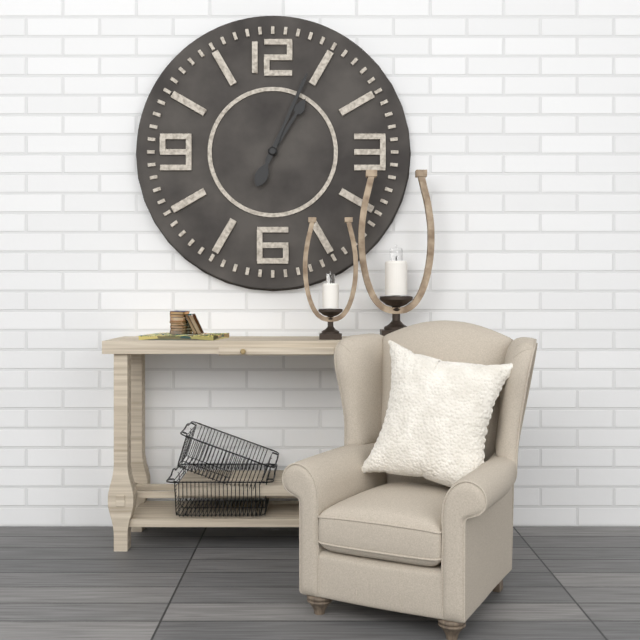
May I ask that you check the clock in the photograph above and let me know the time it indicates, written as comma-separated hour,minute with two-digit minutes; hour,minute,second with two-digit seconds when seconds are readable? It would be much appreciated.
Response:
1,04
